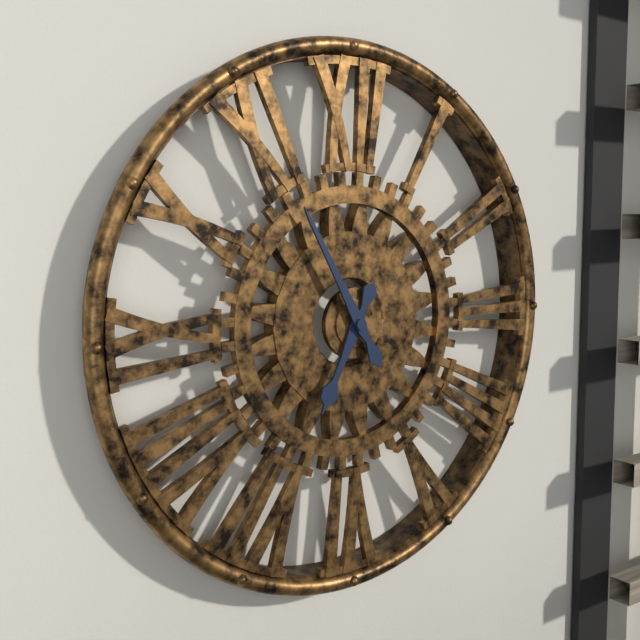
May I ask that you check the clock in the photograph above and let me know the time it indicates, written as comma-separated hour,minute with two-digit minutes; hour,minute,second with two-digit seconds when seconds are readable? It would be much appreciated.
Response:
6,55
